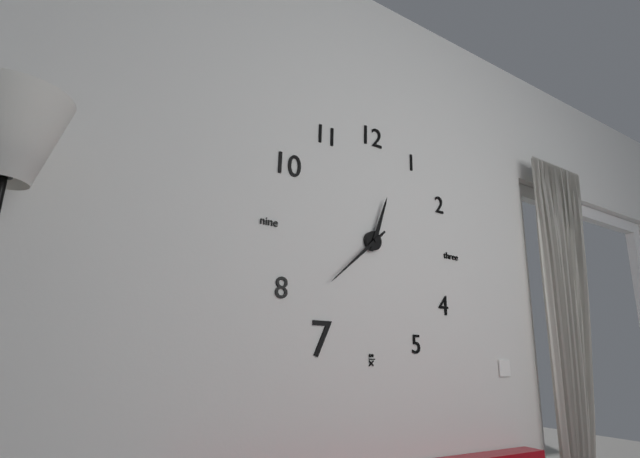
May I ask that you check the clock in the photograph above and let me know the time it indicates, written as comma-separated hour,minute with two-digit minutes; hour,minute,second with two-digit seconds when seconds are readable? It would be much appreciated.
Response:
12,38
